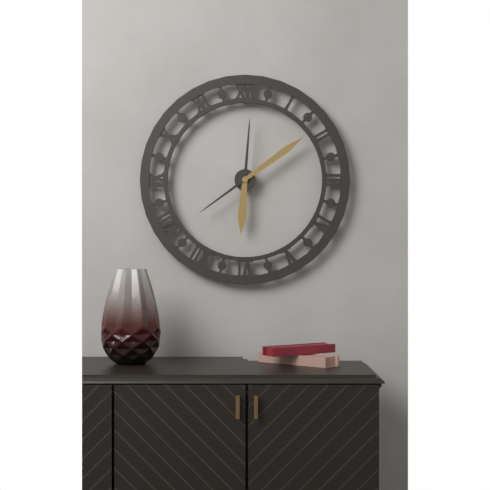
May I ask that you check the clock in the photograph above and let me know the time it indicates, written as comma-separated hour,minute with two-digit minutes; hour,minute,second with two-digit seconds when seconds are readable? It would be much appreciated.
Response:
6,09
